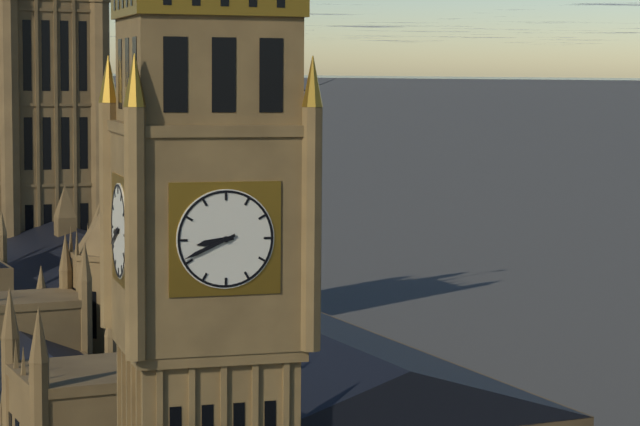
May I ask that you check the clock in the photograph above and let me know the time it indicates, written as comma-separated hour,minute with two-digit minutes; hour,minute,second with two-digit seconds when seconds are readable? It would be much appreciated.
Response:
8,41
